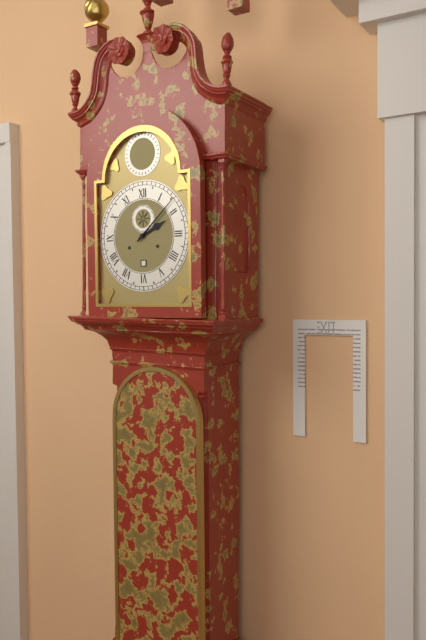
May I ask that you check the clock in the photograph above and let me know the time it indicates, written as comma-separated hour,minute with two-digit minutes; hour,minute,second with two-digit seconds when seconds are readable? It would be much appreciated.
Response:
2,08
